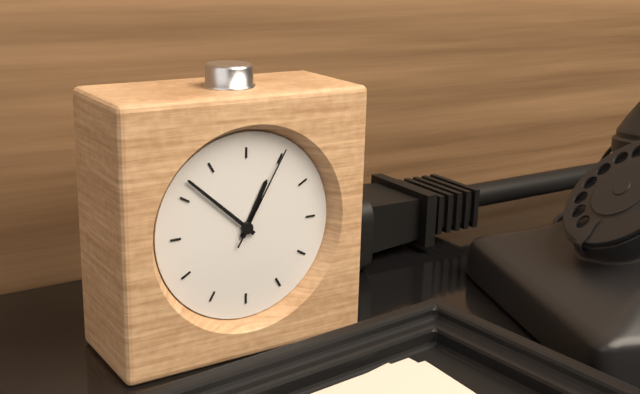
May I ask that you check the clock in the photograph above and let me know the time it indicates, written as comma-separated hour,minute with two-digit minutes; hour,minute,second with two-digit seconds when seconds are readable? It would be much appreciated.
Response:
12,52,05
